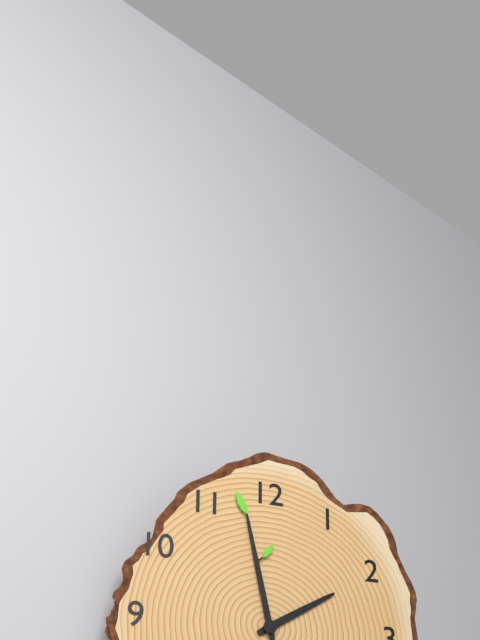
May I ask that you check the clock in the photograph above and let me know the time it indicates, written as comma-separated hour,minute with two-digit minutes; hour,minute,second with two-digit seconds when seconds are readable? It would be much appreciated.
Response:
1,58
